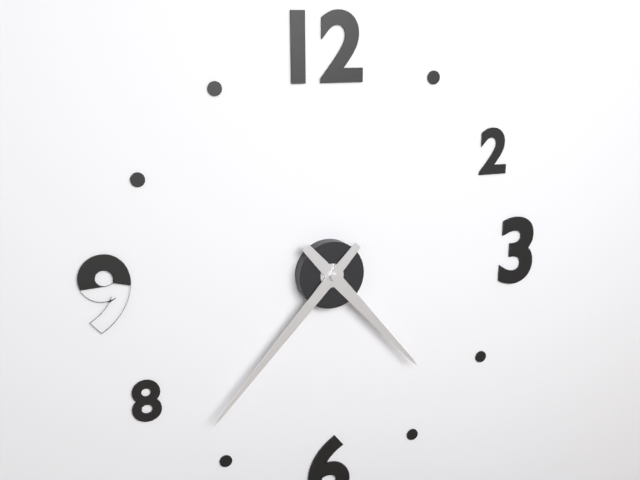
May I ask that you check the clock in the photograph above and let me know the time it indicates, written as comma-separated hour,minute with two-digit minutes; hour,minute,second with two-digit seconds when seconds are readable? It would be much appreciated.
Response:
4,37
